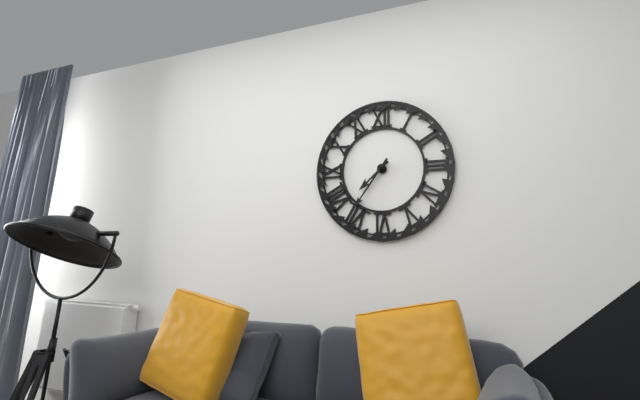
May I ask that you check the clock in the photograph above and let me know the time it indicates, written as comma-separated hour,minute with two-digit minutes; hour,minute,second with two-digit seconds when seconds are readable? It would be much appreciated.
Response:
7,36
